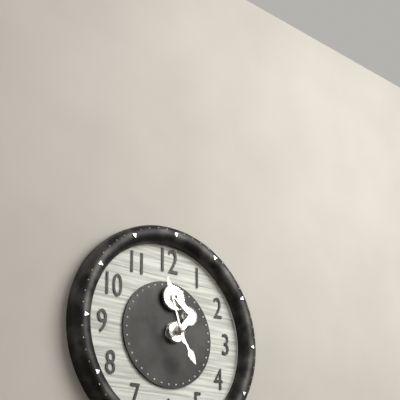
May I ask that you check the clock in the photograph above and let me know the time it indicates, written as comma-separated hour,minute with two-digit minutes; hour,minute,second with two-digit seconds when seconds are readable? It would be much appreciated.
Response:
4,57
